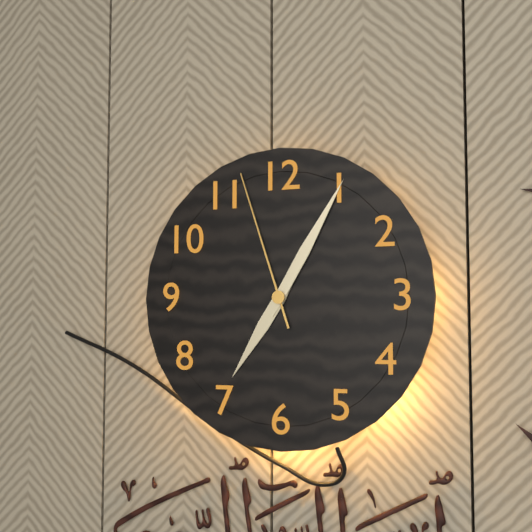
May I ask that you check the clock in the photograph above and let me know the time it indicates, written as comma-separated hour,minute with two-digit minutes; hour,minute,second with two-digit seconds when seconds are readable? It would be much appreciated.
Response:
7,05,57
